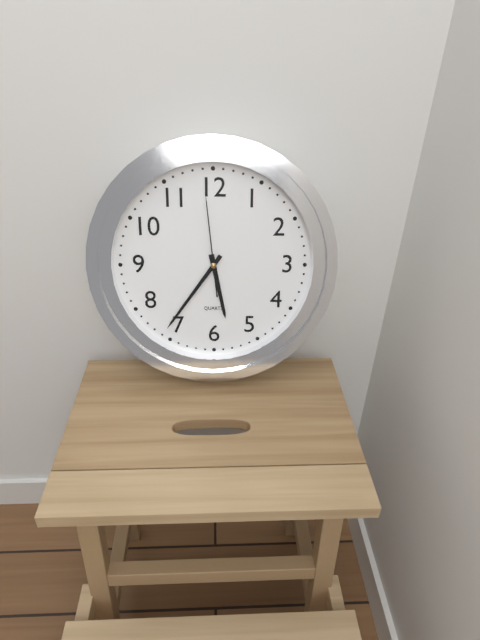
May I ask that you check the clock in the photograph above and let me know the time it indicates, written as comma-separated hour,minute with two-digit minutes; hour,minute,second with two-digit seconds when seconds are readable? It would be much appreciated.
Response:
5,36,59
